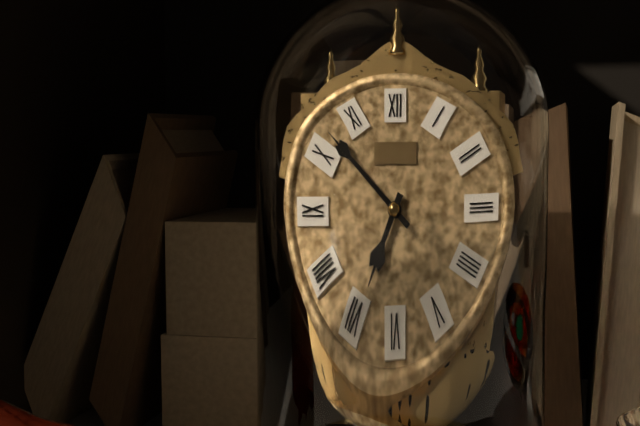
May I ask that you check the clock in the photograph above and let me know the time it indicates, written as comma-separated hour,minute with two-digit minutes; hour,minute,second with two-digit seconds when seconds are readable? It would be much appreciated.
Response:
6,52
